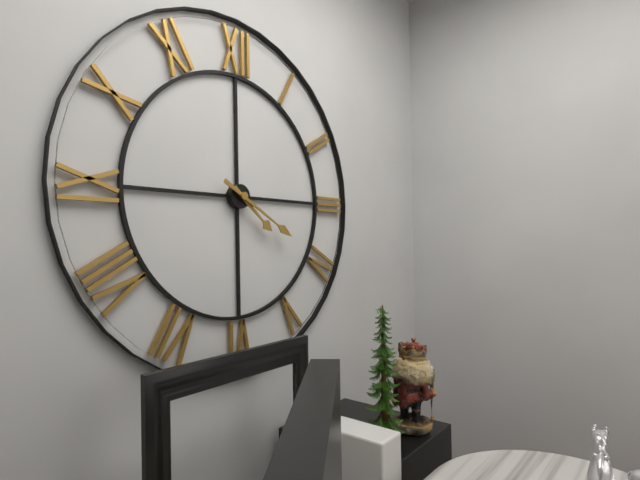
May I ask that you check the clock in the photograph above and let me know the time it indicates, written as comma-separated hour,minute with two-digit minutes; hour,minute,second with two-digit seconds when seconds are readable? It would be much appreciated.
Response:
4,20
